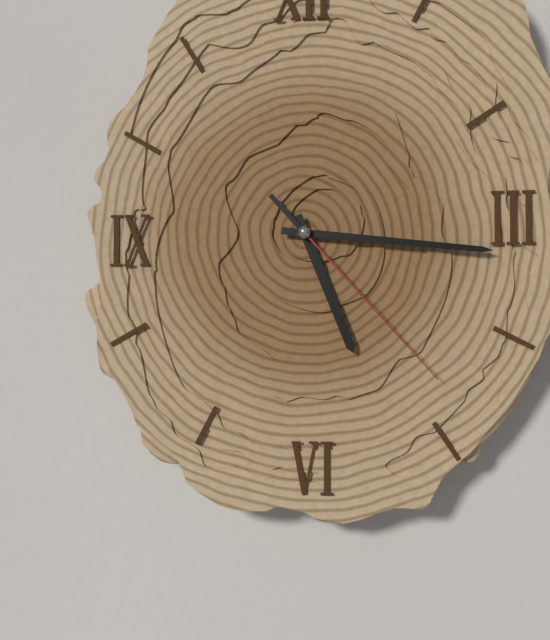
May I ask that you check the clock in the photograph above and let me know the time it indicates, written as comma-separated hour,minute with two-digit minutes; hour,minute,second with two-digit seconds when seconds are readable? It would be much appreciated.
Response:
5,16,23
